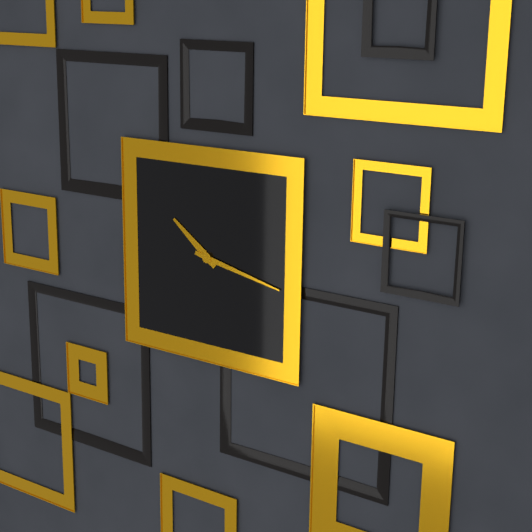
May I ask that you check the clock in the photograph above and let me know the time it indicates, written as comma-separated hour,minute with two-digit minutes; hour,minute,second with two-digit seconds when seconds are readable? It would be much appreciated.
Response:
10,17
